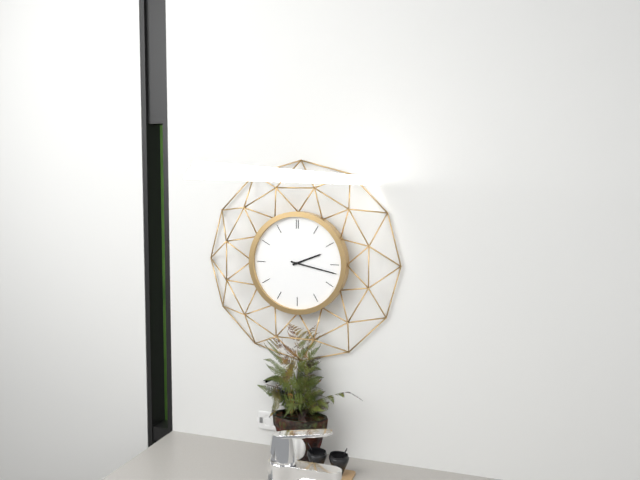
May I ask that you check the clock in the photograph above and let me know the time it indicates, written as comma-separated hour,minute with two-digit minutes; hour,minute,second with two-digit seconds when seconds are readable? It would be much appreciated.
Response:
2,17
